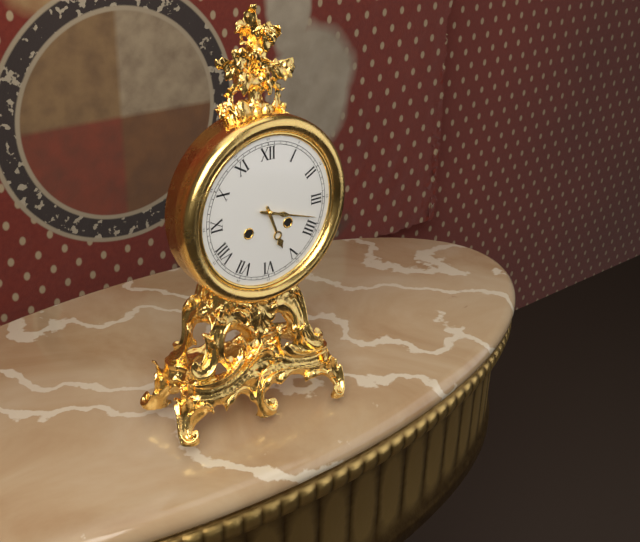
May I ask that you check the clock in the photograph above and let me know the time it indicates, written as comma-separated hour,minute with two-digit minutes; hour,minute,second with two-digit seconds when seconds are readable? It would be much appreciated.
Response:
5,18
